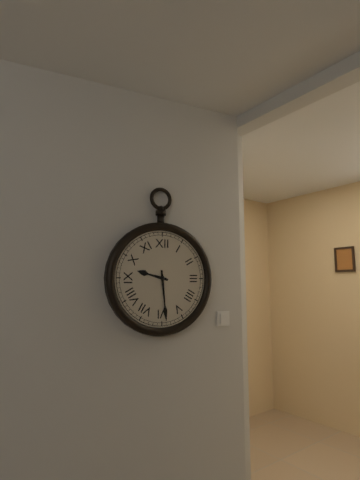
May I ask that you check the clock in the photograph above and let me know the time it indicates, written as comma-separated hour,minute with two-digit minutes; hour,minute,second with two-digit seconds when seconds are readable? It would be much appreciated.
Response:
9,29
